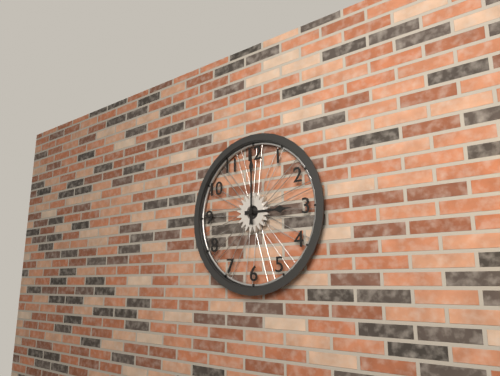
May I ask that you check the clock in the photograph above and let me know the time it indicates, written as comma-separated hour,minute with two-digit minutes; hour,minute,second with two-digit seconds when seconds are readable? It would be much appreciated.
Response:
3,00
